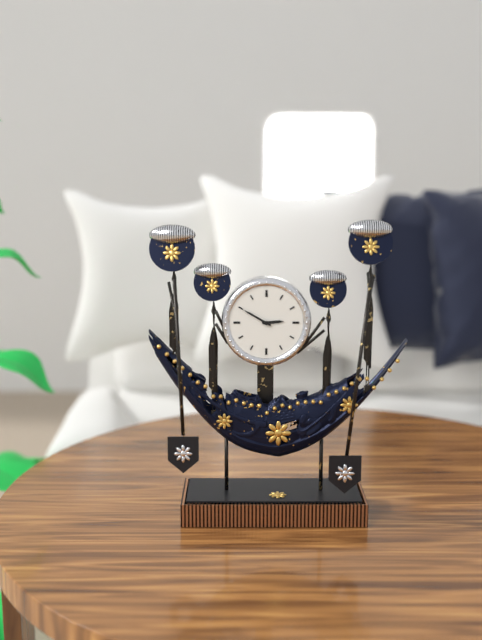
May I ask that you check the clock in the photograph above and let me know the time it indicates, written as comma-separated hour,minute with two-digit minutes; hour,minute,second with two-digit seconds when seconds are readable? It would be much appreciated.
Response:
2,50
